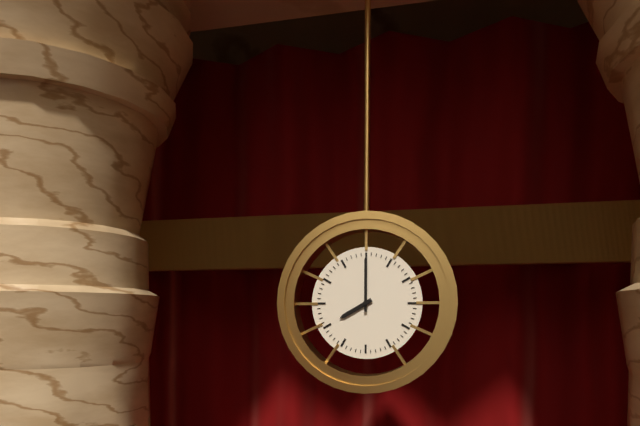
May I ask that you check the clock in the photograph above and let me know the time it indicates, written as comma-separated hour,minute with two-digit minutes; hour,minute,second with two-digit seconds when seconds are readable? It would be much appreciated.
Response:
8,00
